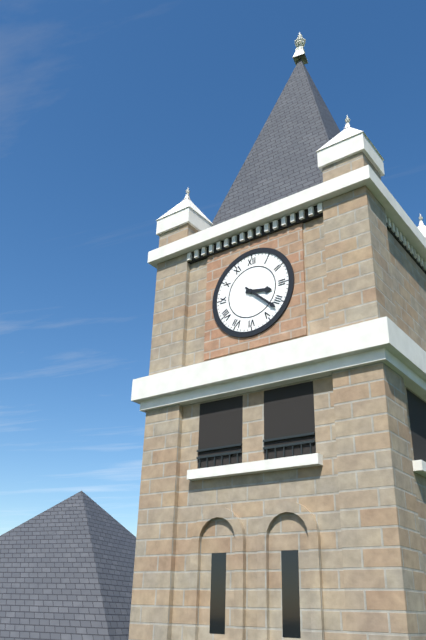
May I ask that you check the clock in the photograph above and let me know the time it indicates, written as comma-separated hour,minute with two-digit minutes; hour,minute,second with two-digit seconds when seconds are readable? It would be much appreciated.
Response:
3,22
